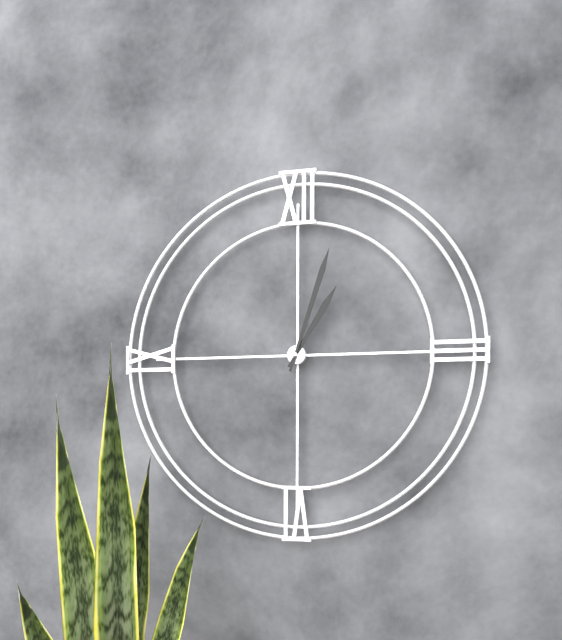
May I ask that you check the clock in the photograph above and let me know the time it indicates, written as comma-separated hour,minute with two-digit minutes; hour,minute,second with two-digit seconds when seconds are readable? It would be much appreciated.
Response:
1,03
